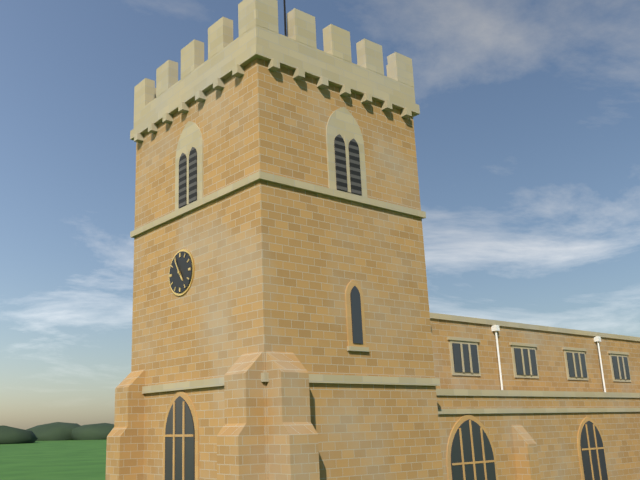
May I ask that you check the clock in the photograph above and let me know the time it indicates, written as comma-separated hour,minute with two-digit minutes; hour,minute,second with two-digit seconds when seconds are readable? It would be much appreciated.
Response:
4,55
